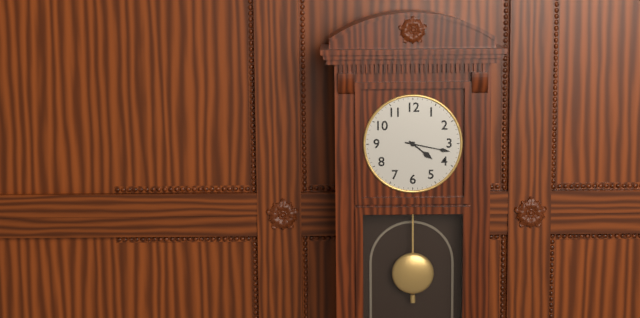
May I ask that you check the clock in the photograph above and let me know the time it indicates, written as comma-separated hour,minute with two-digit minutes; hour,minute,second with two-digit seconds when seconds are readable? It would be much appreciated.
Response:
4,17
